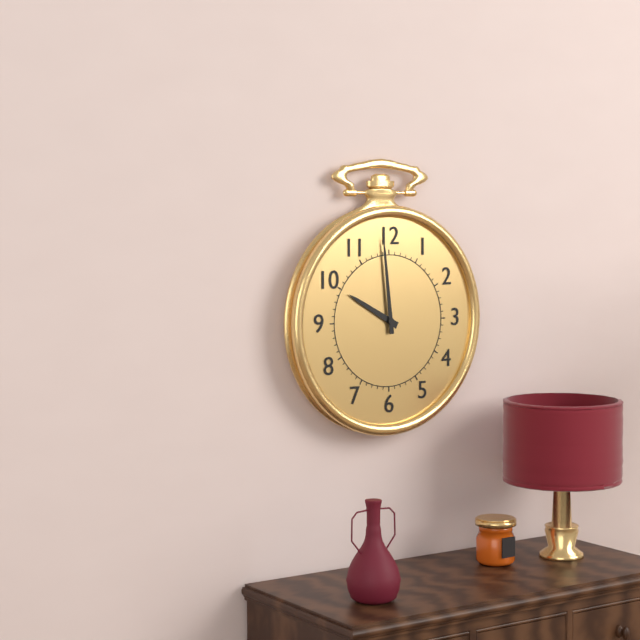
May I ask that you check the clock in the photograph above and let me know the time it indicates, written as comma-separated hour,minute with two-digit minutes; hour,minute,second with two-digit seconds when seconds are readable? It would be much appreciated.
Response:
9,59
